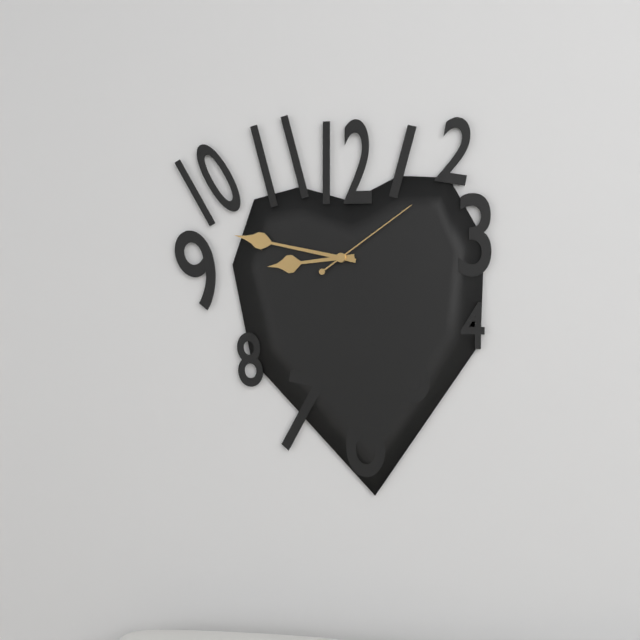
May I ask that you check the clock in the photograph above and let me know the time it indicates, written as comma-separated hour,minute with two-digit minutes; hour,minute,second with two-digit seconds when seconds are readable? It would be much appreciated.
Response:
8,47,09
